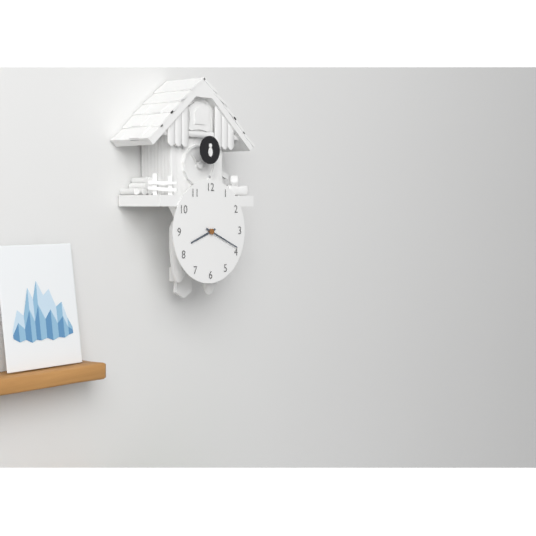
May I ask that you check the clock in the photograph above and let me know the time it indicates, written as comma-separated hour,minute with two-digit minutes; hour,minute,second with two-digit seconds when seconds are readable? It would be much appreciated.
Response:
8,19
